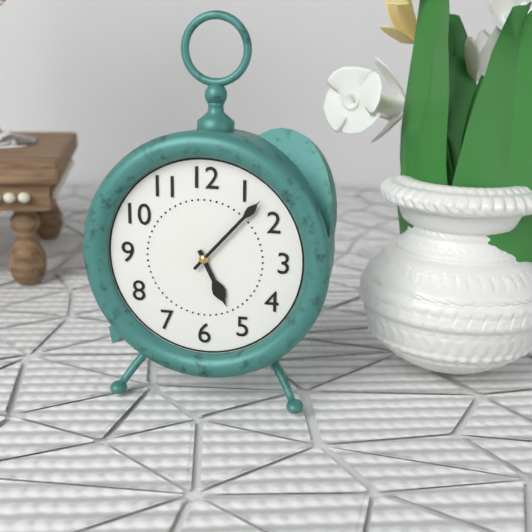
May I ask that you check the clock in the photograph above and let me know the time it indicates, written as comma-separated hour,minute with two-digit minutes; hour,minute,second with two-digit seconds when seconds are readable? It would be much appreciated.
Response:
5,07
